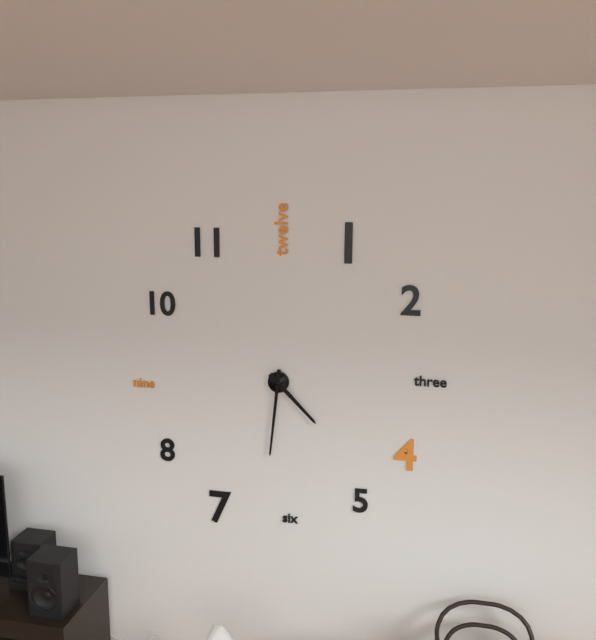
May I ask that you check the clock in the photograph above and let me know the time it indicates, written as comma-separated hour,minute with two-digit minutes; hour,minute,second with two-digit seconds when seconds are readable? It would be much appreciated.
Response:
4,31
